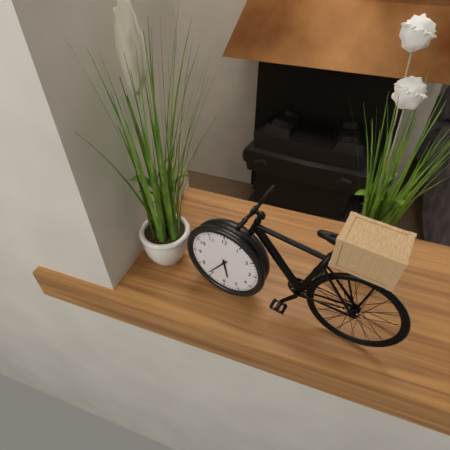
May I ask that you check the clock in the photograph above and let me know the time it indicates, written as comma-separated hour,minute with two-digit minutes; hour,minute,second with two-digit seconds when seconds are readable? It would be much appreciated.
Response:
5,36
